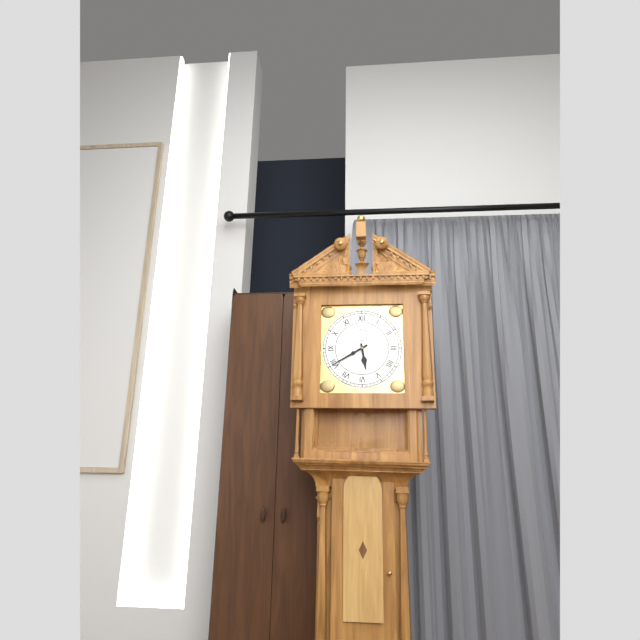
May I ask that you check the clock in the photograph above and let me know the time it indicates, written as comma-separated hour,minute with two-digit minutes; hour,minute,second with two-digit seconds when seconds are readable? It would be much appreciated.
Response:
5,40
